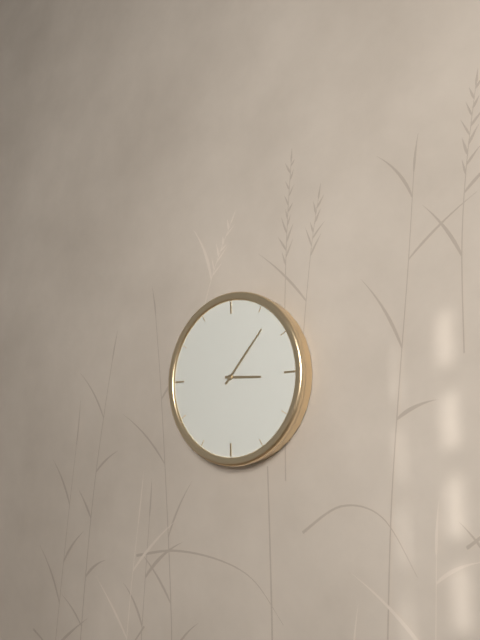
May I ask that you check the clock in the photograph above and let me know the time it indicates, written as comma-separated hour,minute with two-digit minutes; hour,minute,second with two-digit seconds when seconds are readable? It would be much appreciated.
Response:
3,07
